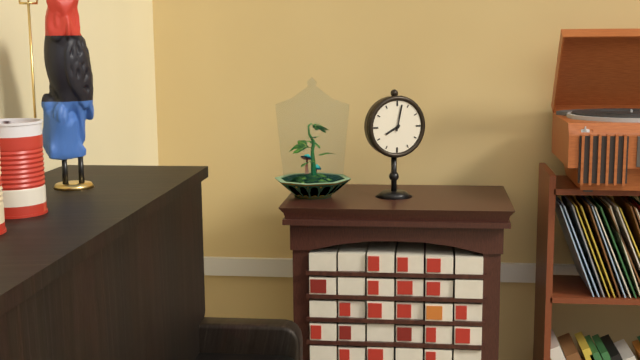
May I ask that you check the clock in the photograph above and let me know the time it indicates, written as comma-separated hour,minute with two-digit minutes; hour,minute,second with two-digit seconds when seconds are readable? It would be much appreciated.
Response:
8,02
